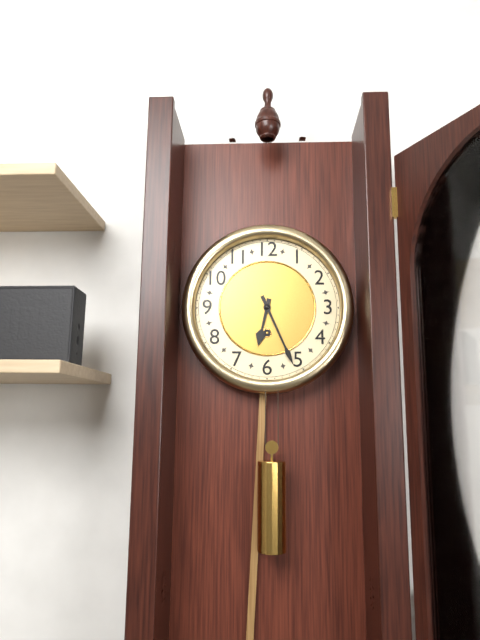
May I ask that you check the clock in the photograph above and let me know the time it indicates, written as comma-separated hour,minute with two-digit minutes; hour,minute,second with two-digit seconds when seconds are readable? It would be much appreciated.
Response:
6,26
